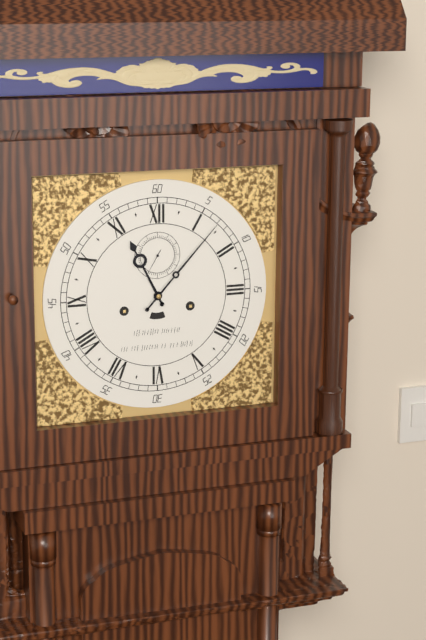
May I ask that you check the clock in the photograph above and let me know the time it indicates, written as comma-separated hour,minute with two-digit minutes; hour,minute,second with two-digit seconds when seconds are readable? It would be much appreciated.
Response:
11,07
